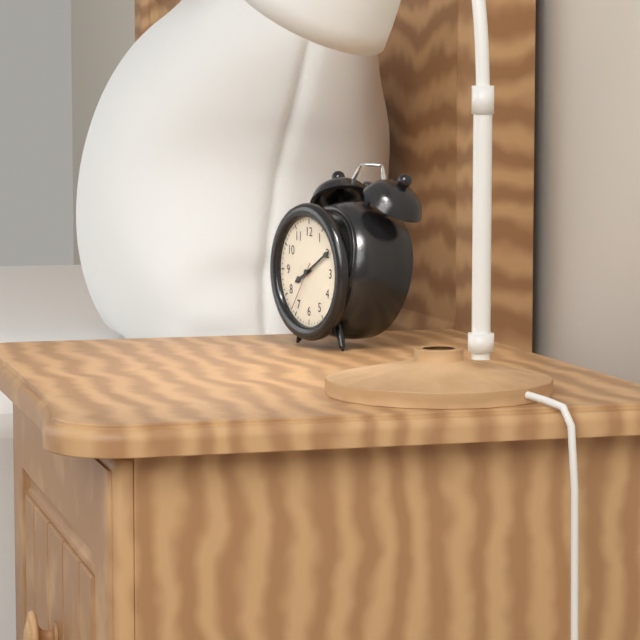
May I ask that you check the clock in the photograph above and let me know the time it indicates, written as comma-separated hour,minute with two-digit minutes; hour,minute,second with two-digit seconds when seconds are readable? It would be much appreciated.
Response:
8,10,36
